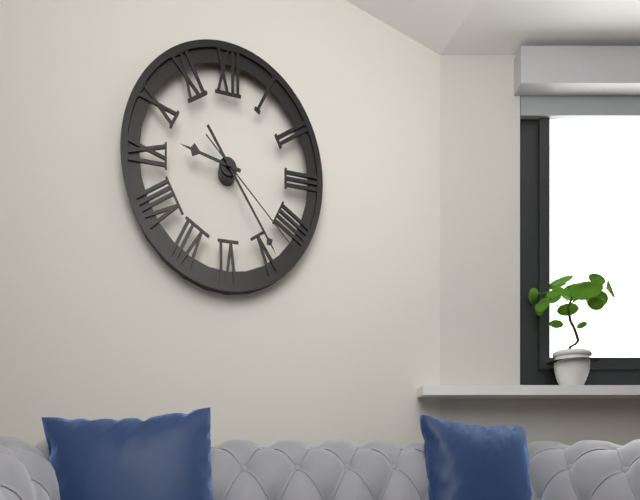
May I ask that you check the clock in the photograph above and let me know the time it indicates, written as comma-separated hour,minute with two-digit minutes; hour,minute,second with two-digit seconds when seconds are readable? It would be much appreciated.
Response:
9,24,22
